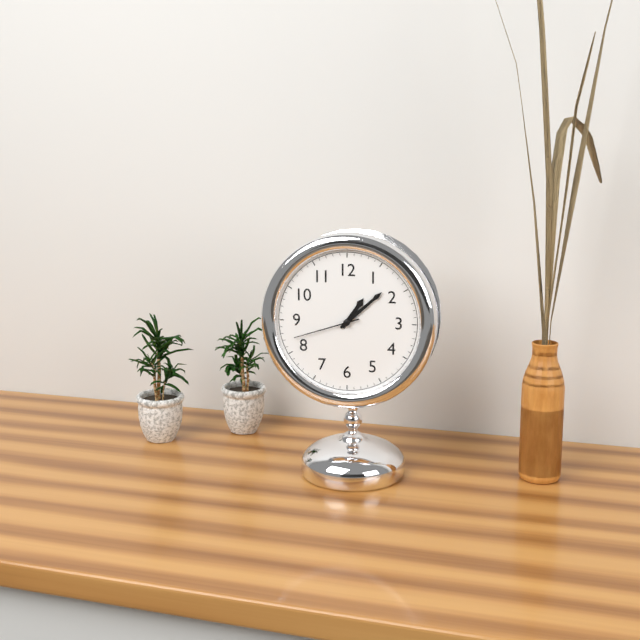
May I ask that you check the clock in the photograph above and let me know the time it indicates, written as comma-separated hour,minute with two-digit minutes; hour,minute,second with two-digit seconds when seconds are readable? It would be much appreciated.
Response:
1,08,42
